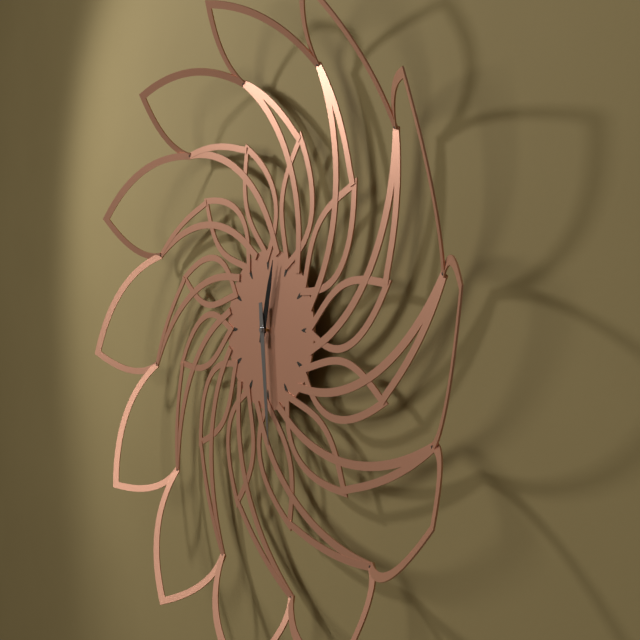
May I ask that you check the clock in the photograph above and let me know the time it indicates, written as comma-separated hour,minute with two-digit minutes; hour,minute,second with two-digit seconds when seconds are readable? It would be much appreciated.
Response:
12,29
